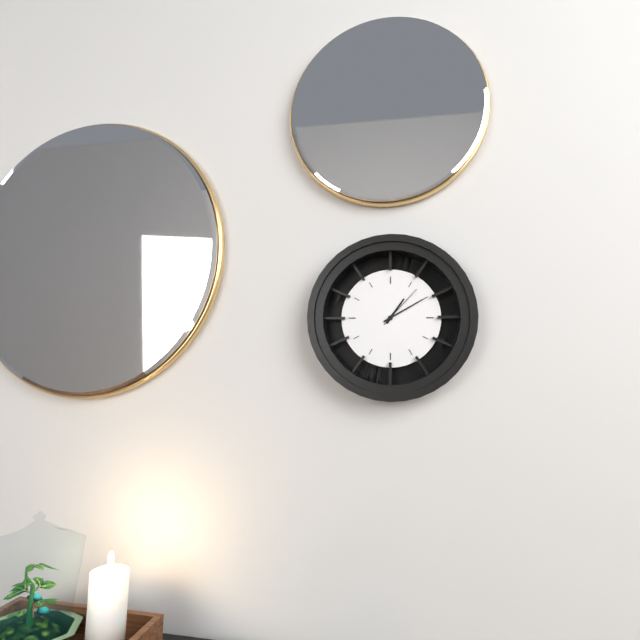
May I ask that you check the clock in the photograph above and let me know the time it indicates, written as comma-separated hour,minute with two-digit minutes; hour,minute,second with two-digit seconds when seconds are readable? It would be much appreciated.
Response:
1,10
